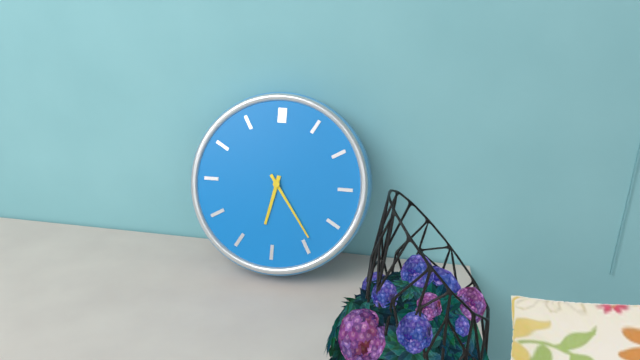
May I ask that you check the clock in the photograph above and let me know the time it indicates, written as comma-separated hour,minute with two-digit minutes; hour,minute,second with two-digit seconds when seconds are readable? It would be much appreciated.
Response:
6,24
